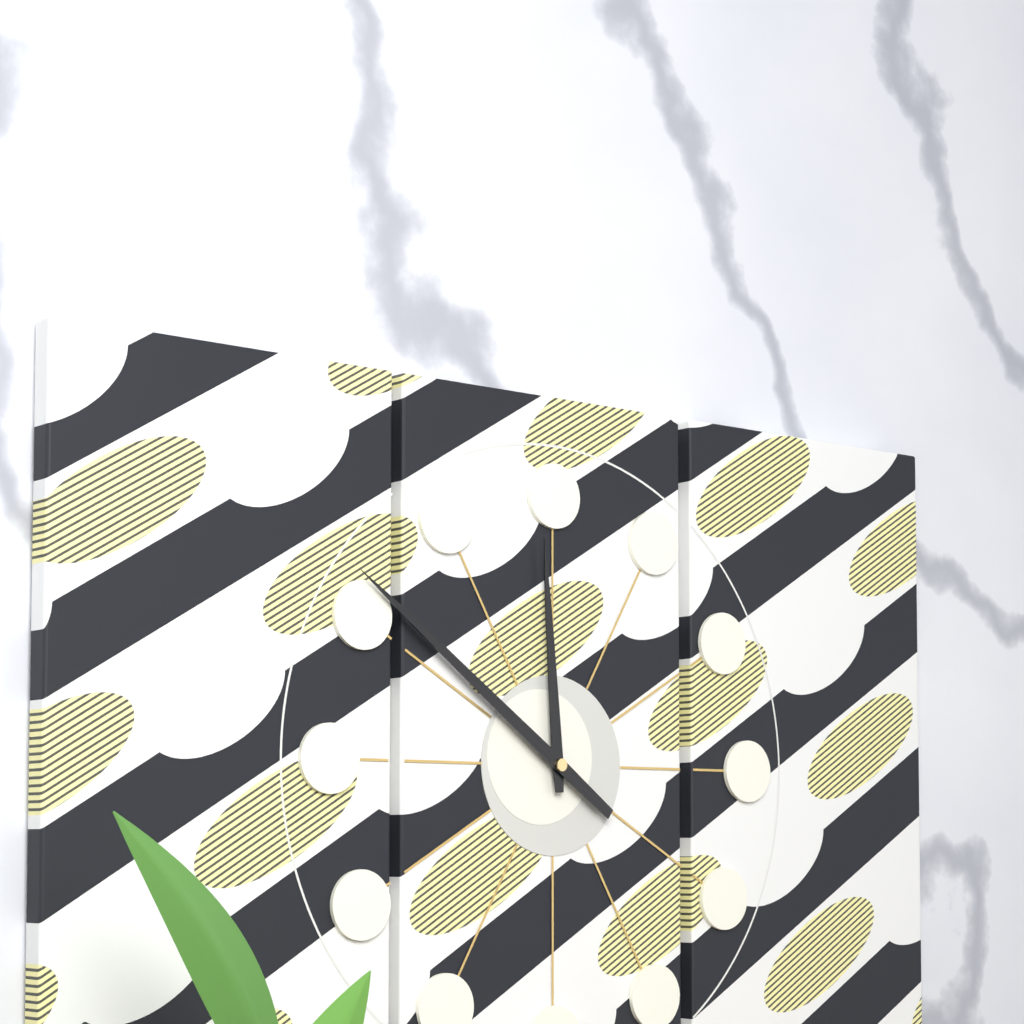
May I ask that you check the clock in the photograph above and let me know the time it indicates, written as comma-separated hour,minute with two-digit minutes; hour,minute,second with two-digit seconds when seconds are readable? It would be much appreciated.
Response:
11,51
